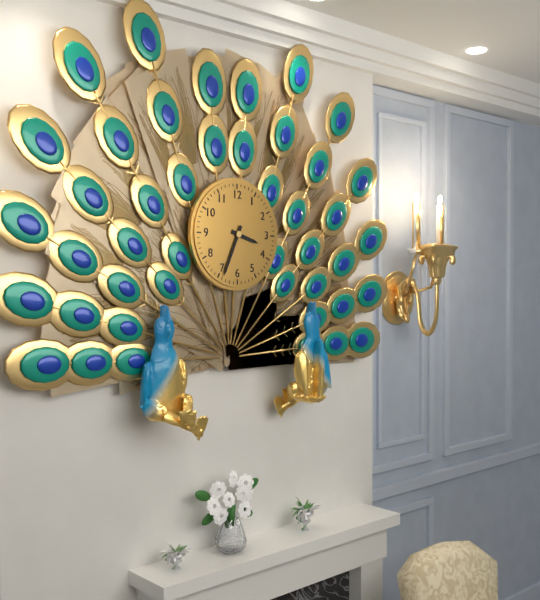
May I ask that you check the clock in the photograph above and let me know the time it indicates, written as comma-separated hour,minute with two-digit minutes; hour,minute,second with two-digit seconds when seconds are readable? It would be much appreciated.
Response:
3,34
